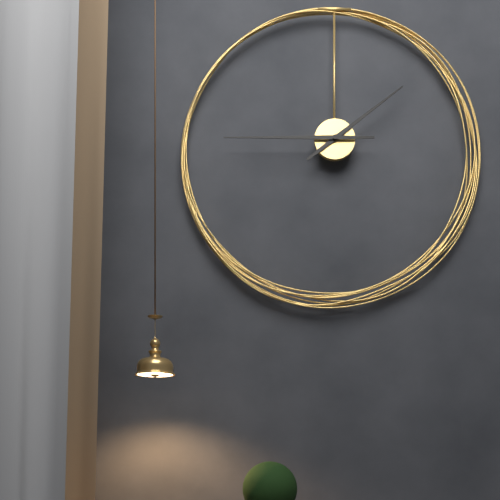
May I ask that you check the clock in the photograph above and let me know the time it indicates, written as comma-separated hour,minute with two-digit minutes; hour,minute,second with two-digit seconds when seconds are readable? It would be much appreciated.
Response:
1,45
